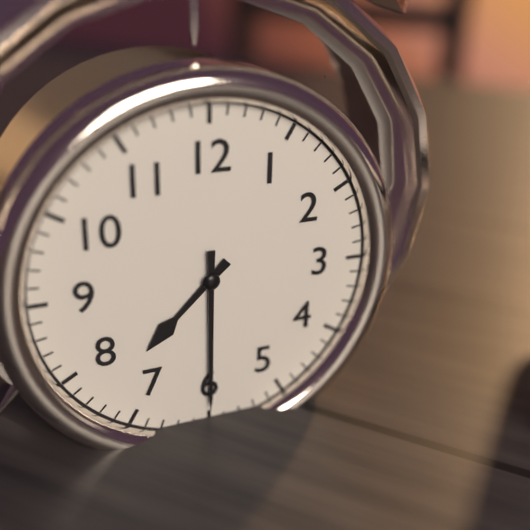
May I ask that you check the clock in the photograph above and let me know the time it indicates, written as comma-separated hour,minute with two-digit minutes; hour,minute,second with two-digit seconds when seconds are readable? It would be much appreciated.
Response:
7,30
